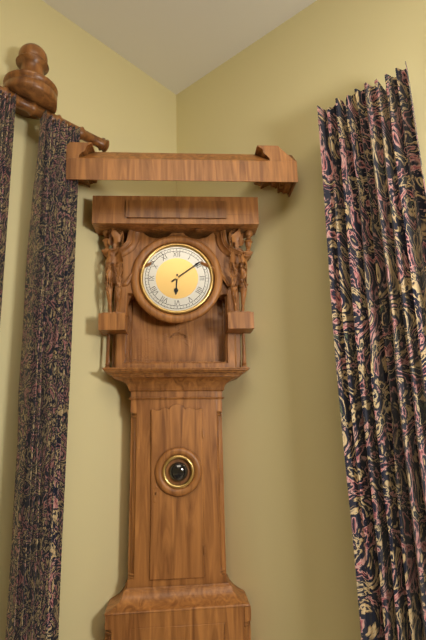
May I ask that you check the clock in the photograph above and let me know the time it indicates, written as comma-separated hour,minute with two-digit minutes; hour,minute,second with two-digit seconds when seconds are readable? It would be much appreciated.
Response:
6,09
